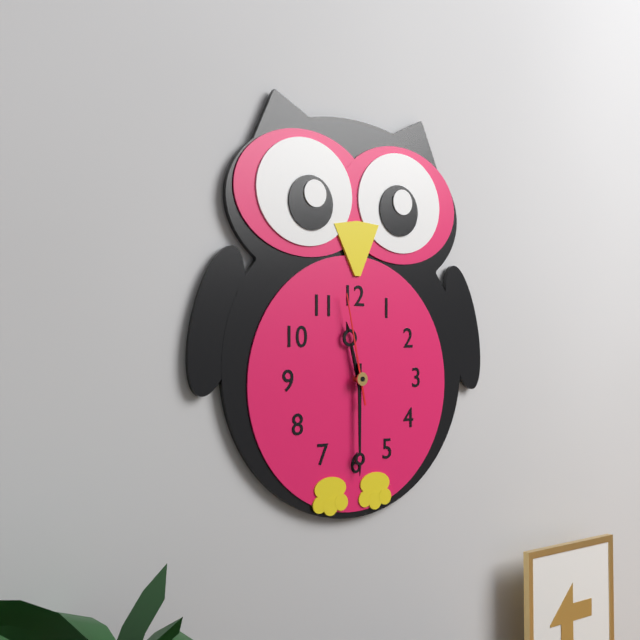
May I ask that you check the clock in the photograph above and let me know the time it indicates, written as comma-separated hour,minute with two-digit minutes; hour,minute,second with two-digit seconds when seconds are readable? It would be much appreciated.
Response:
11,30,58
